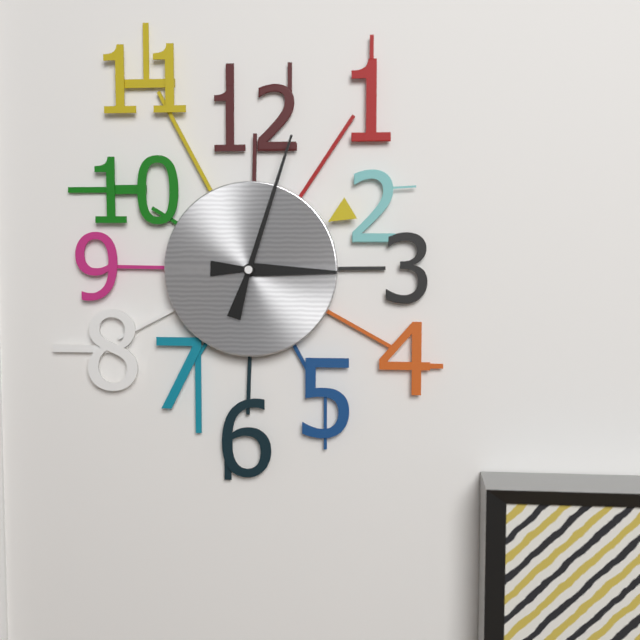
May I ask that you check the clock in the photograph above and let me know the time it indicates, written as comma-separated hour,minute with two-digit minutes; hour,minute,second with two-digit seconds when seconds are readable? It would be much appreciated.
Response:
3,03
